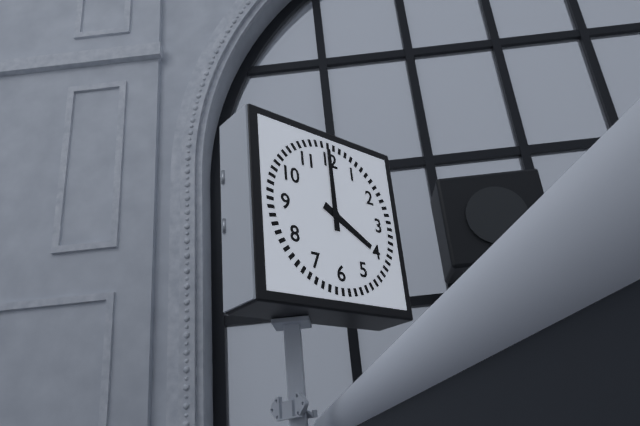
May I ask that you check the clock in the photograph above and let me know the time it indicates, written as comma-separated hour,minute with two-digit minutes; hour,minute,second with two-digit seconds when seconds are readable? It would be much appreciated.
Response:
4,00
